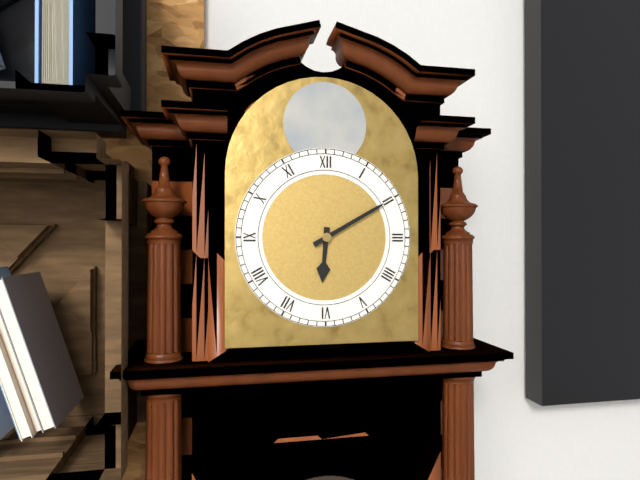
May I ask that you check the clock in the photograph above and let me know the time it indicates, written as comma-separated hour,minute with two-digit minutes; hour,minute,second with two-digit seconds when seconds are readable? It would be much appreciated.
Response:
6,10
